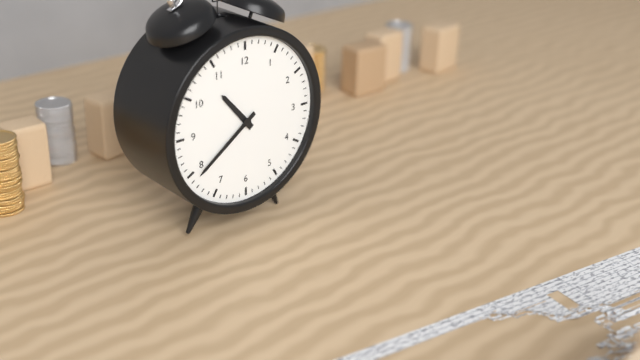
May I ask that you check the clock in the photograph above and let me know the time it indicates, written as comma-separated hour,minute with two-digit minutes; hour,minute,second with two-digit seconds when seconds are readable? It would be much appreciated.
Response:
10,39
